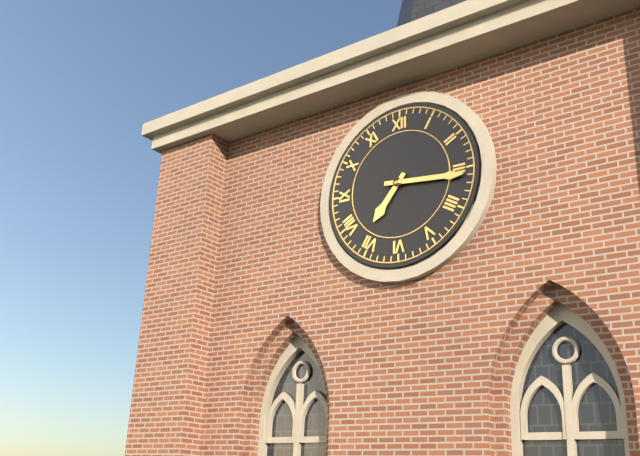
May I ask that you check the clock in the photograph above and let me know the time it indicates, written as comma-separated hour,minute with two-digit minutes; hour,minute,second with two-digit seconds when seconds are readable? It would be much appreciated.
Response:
7,16
